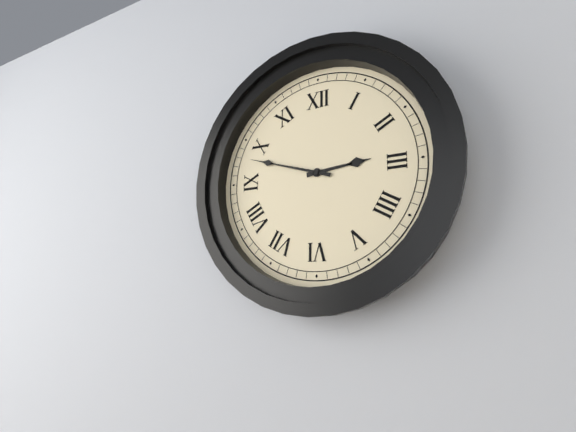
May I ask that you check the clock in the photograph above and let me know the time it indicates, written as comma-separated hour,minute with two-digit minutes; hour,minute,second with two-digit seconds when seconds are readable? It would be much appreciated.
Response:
2,48
